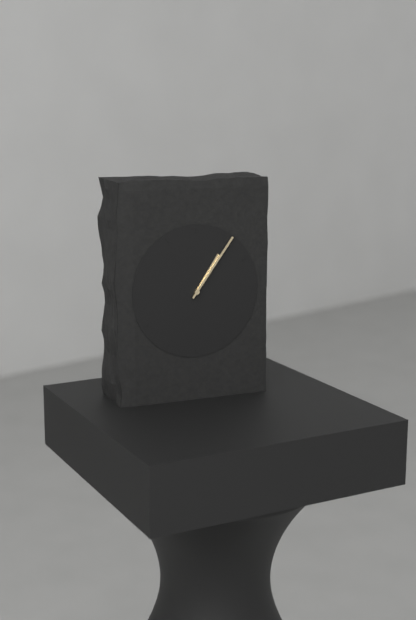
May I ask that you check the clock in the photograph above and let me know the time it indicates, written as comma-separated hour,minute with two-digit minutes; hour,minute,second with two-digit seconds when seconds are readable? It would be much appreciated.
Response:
1,06
